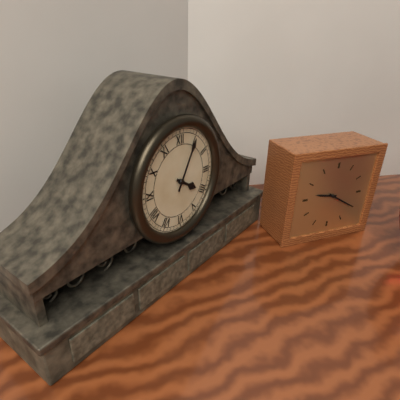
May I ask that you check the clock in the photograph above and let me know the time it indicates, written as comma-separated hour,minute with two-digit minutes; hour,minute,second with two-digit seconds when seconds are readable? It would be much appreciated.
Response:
4,05
